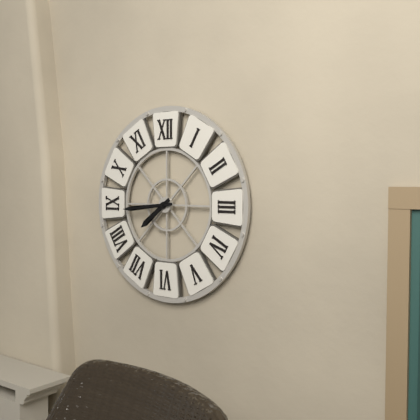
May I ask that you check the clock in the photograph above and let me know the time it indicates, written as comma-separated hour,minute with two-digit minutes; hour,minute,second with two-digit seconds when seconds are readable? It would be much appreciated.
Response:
7,44
